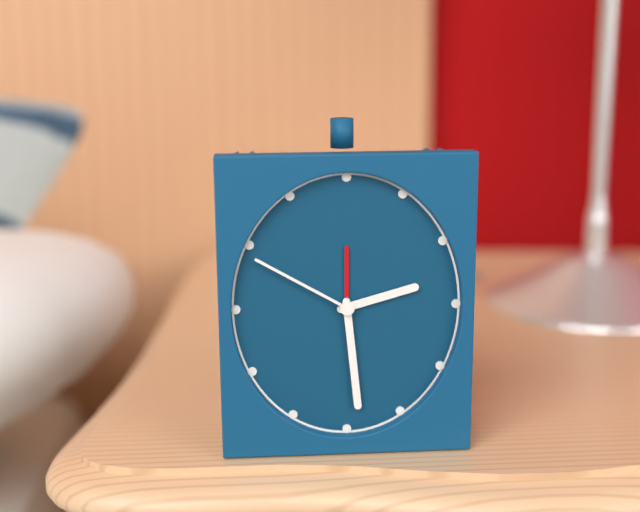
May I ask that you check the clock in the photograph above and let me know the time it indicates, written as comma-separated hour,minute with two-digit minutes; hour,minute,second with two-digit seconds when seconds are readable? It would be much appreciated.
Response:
2,29,50
